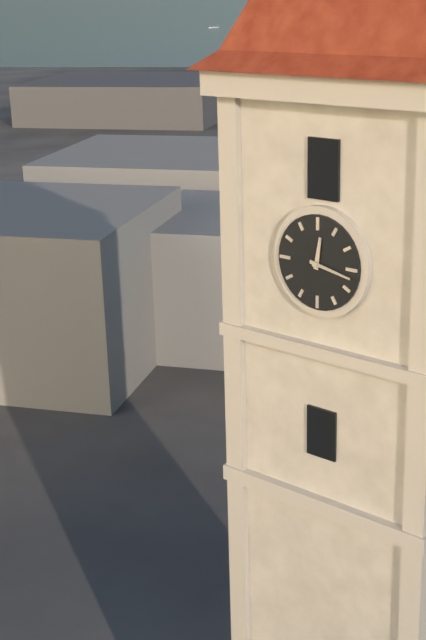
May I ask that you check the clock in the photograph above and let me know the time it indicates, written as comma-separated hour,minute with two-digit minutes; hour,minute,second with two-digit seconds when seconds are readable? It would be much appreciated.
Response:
12,17
